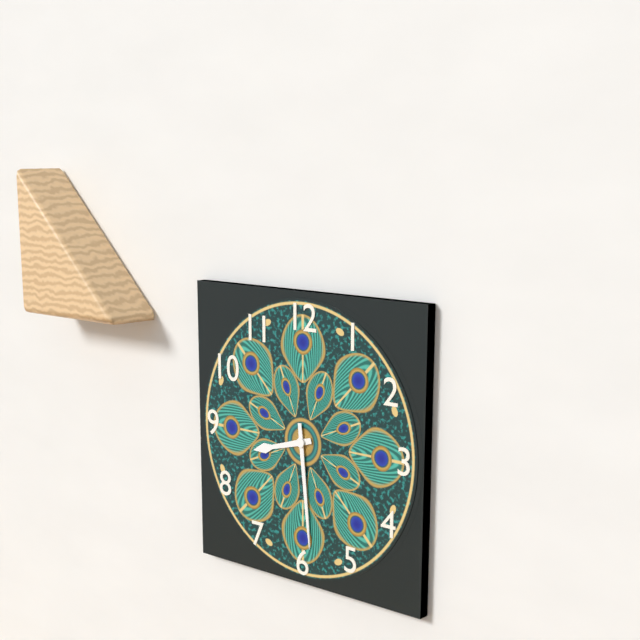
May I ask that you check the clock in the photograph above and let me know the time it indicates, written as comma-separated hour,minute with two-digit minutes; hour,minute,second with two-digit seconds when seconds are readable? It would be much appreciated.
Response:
8,29
